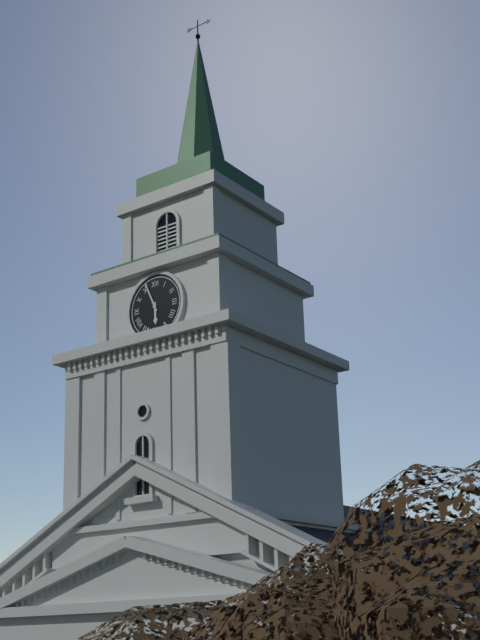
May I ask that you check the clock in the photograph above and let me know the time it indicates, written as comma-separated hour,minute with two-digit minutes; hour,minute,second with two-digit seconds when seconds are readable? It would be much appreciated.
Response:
5,56
